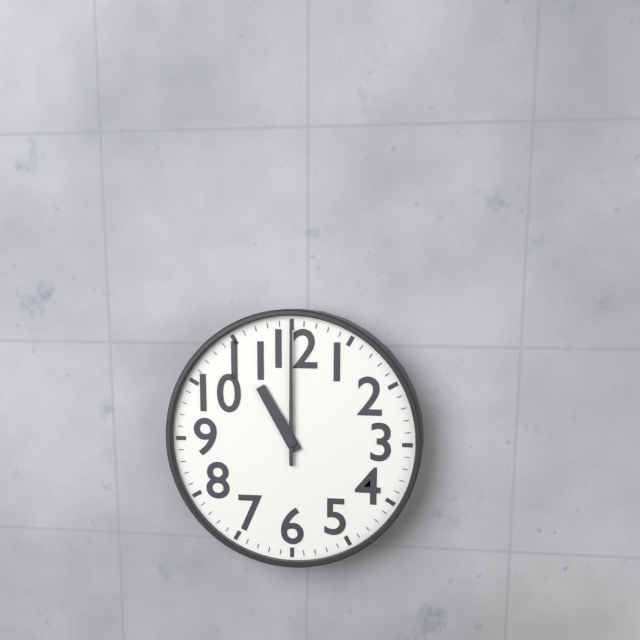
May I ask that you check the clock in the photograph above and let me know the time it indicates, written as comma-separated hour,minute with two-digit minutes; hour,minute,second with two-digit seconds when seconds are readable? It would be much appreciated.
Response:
11,00
